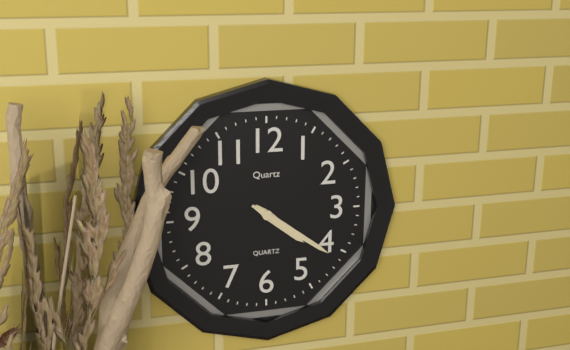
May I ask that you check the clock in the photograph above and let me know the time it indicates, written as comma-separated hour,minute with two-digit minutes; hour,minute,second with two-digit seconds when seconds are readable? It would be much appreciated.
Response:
4,21
